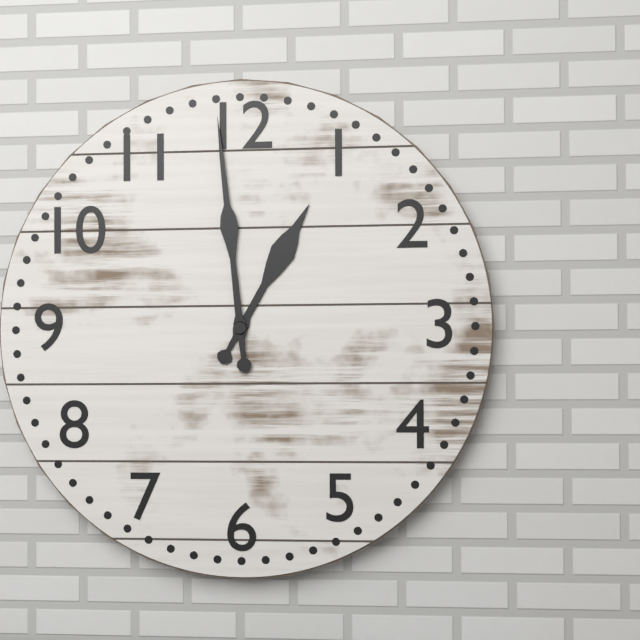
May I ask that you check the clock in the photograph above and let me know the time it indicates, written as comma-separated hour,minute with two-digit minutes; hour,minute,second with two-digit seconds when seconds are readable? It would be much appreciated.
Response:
12,59
